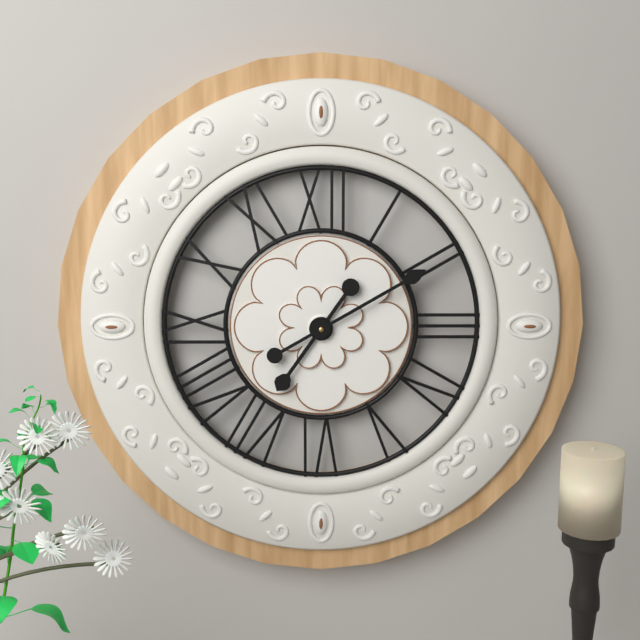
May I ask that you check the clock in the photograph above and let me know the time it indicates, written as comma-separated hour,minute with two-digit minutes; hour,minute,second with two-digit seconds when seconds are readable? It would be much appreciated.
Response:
7,10
